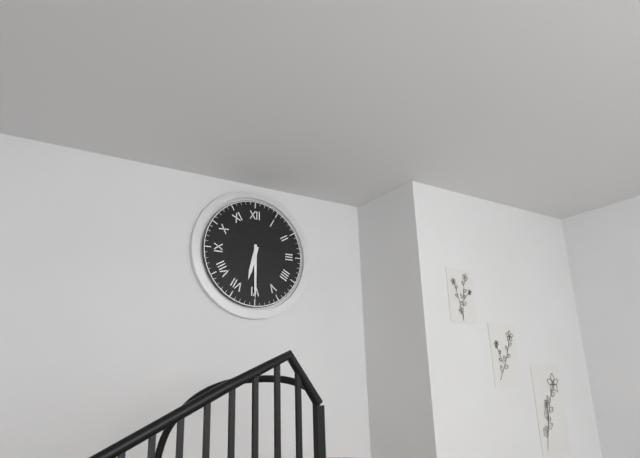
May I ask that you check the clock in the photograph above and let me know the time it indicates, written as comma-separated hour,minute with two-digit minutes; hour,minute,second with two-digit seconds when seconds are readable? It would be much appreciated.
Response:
6,30
